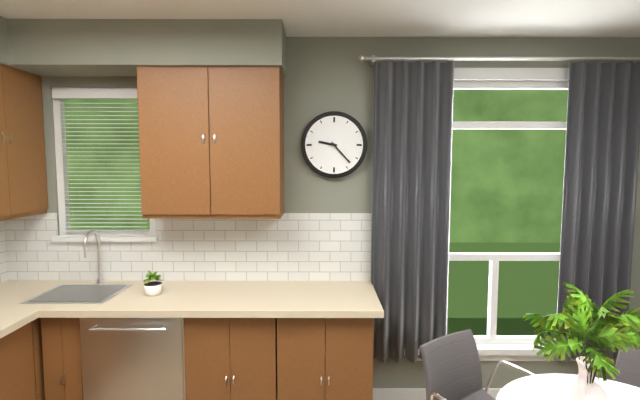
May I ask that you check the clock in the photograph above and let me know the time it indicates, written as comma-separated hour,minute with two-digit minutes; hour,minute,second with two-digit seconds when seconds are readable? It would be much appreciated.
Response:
9,23
